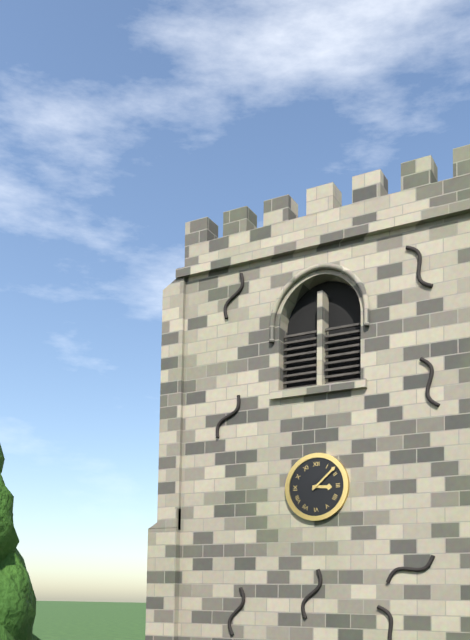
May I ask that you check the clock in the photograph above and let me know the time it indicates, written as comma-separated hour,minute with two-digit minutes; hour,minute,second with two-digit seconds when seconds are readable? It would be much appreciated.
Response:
3,08
